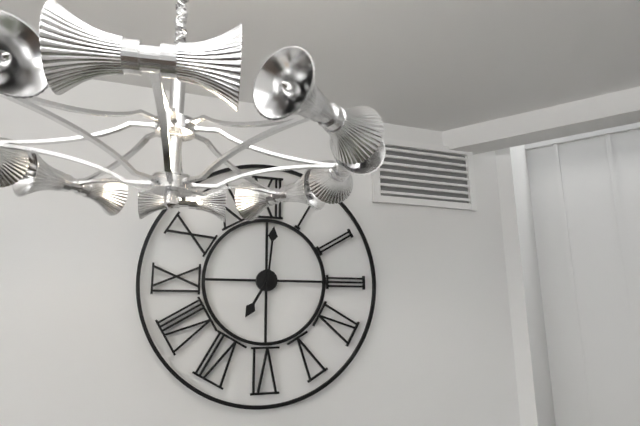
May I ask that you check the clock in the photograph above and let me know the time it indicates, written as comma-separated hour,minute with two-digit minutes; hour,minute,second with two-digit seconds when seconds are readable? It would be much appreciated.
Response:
7,01
